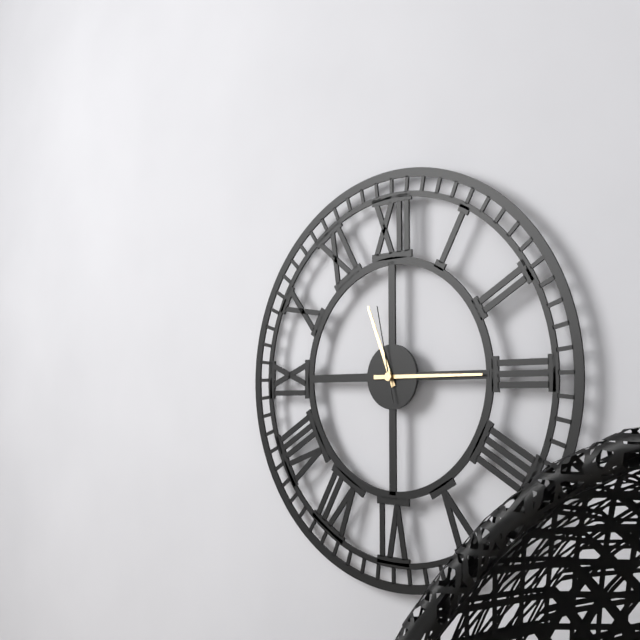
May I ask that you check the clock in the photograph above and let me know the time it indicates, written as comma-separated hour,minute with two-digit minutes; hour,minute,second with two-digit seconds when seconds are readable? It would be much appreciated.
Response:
11,15,58
